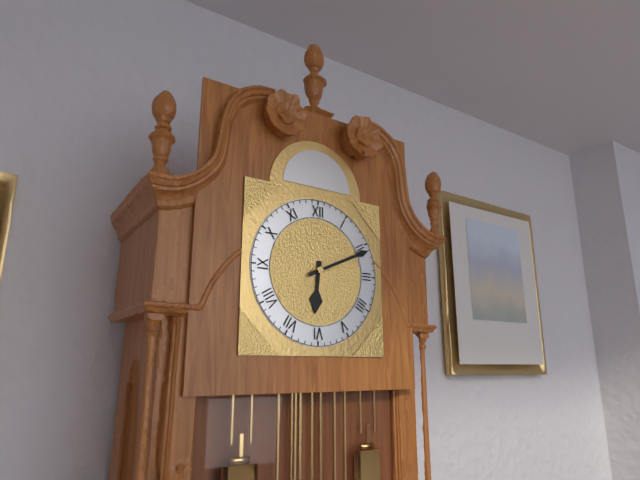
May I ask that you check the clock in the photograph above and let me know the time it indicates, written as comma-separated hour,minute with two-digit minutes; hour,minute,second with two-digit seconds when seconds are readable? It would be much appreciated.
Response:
6,11
